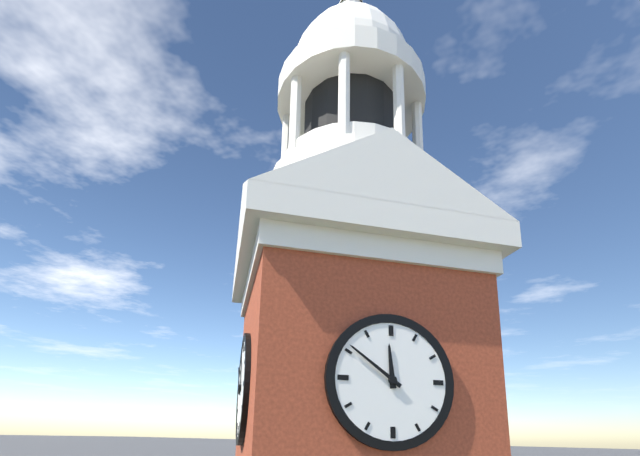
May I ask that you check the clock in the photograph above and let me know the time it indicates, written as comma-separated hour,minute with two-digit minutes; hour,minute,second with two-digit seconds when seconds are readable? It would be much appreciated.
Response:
11,51
